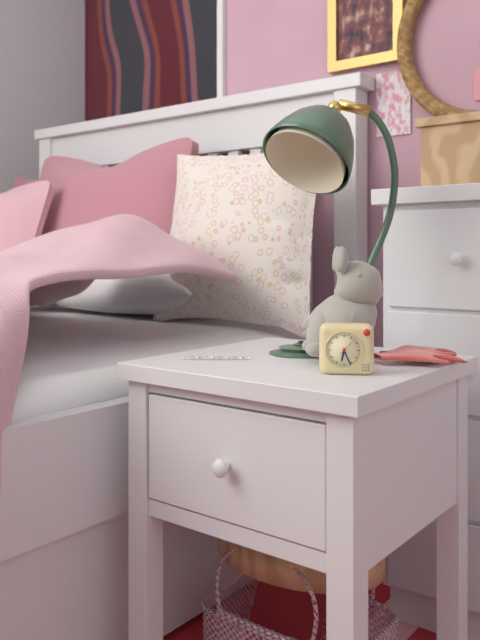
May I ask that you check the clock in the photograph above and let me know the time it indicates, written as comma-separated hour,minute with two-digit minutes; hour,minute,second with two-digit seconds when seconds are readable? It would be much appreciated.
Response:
6,26
